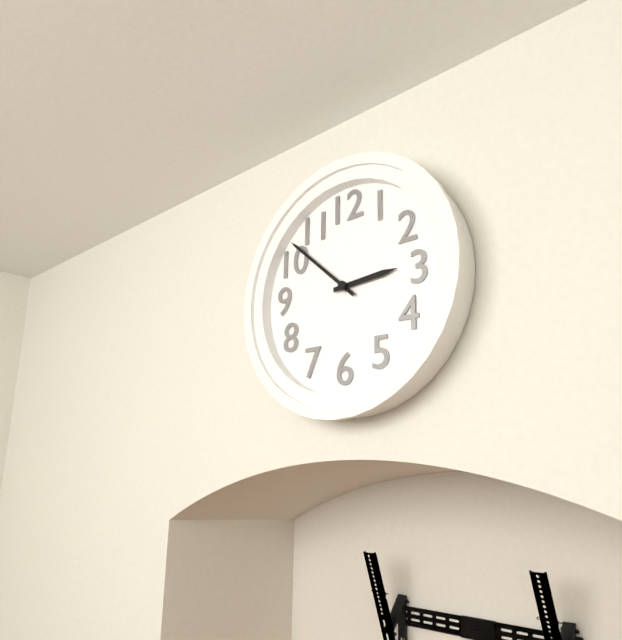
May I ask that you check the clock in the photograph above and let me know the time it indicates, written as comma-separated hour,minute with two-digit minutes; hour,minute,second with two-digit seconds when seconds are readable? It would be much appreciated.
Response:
2,52
